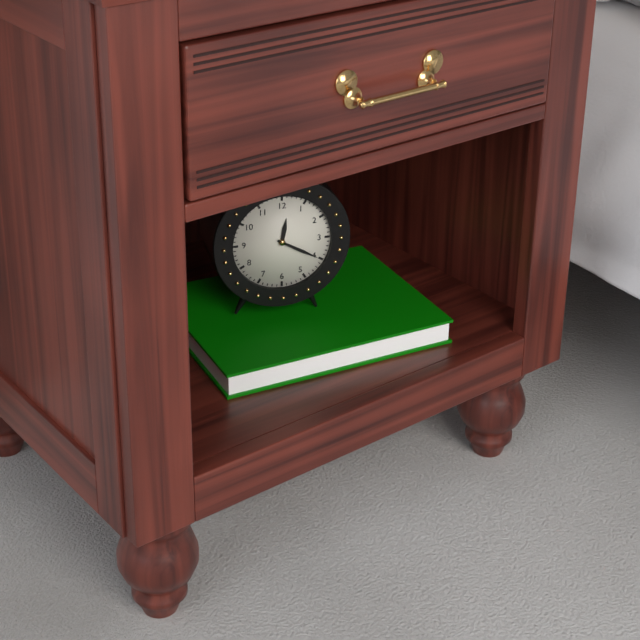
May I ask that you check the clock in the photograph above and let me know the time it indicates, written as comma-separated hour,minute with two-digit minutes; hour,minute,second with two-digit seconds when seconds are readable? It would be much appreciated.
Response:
12,20
